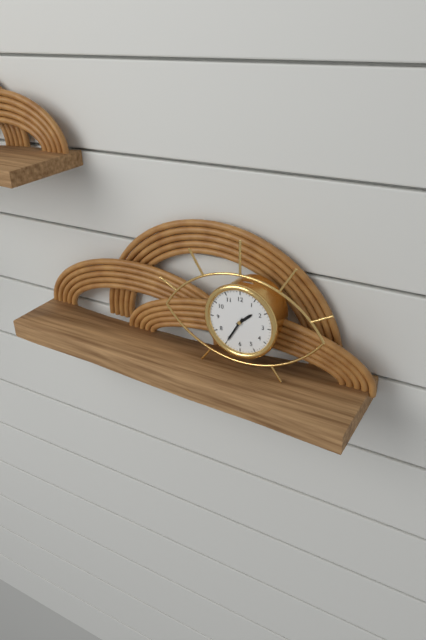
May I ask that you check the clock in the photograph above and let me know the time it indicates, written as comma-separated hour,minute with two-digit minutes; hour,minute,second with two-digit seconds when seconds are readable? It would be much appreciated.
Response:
1,35
